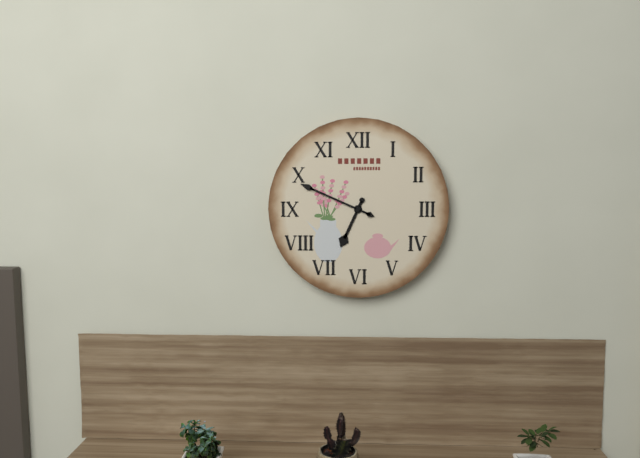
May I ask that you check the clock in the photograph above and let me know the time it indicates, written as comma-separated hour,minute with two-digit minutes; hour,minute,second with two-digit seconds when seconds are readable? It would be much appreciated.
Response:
6,49
